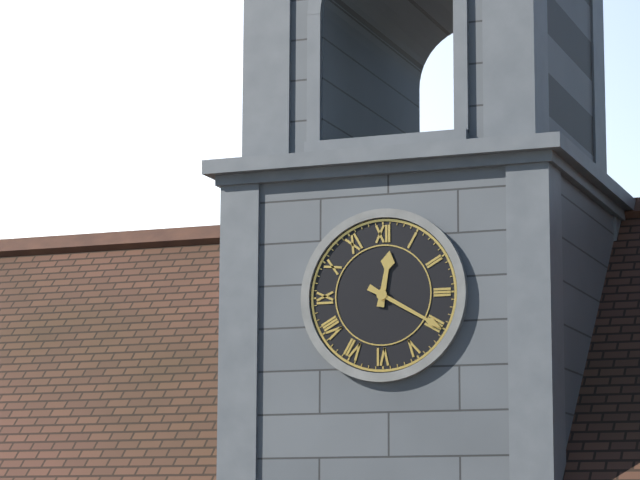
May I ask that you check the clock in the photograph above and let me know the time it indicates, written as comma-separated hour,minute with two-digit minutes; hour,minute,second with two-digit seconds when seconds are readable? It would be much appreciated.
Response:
12,20
